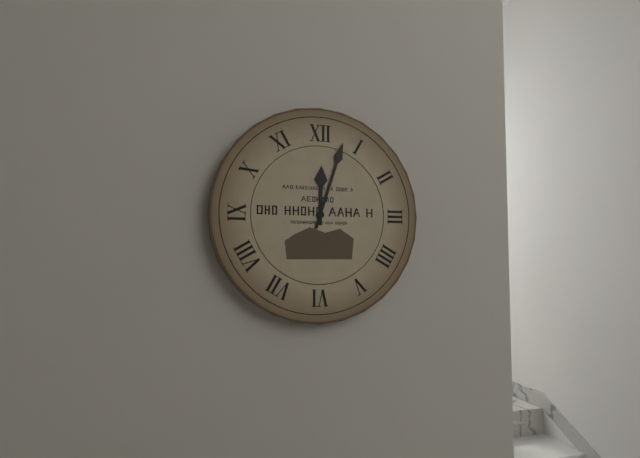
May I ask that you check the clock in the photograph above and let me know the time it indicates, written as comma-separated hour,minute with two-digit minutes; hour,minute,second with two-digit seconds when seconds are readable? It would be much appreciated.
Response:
12,03
